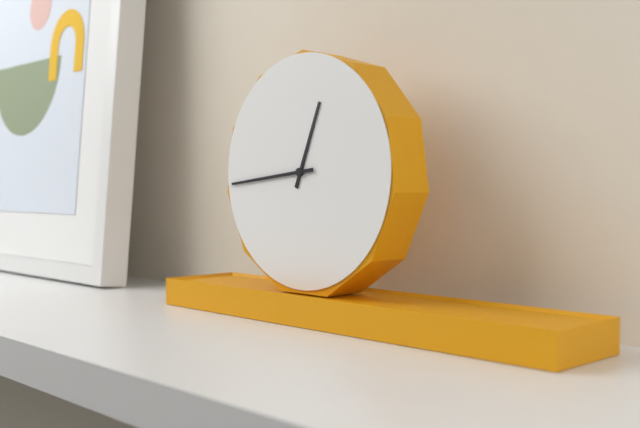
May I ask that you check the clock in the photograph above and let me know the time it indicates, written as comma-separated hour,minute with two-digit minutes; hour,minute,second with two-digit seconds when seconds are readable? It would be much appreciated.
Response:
12,44
